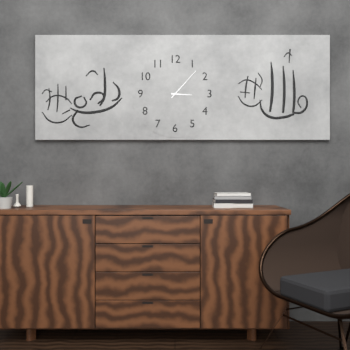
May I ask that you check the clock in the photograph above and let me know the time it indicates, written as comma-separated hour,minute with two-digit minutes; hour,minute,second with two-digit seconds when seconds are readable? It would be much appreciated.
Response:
3,07
